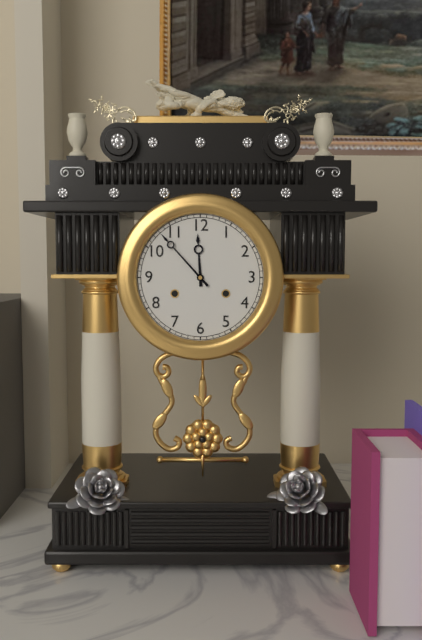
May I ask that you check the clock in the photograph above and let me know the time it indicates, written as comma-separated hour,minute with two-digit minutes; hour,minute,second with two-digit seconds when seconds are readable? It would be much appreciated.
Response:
11,53
